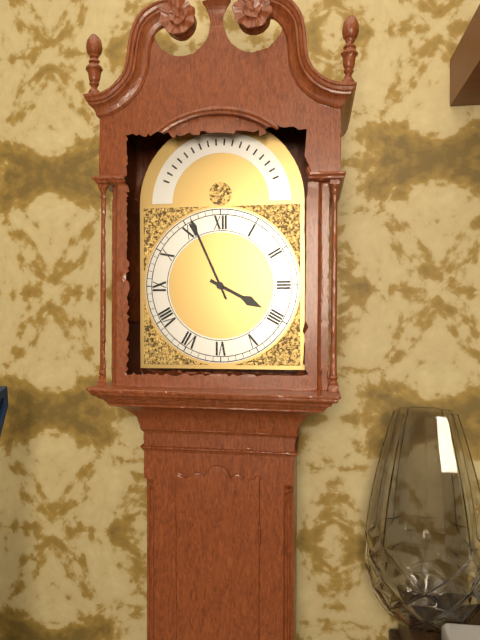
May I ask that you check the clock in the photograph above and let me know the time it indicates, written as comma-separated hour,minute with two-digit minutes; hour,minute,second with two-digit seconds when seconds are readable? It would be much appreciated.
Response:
3,56
